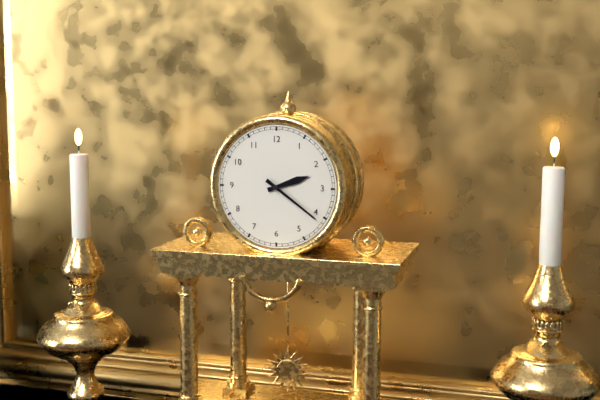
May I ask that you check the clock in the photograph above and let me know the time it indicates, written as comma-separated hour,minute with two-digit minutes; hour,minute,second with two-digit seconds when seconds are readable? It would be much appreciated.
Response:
2,21
